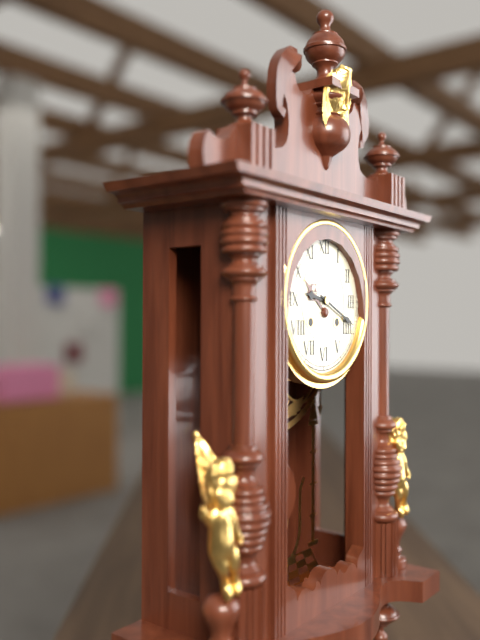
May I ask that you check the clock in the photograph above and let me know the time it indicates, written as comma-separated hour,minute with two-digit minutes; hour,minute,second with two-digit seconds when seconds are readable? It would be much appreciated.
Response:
9,19
